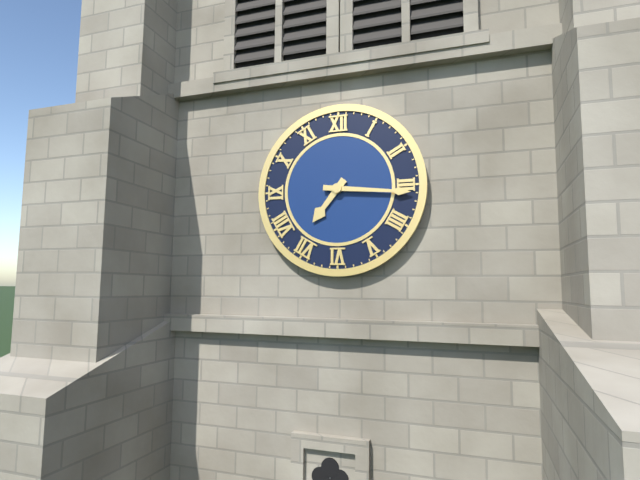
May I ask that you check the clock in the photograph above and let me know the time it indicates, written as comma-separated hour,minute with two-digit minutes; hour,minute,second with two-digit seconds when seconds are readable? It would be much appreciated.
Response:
7,16
